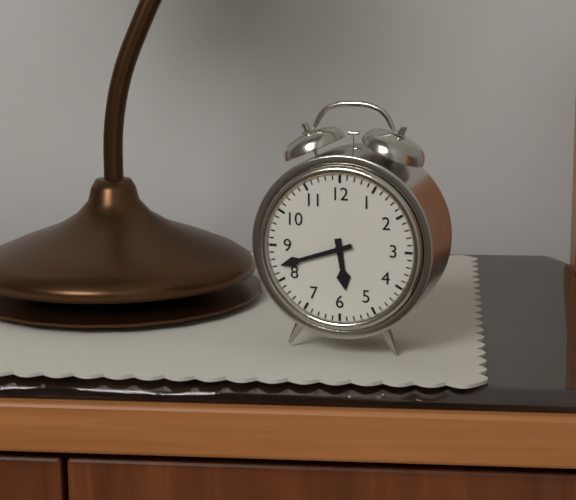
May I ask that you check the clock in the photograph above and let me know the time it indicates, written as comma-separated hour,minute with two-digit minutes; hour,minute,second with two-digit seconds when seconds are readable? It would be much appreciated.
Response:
5,42
